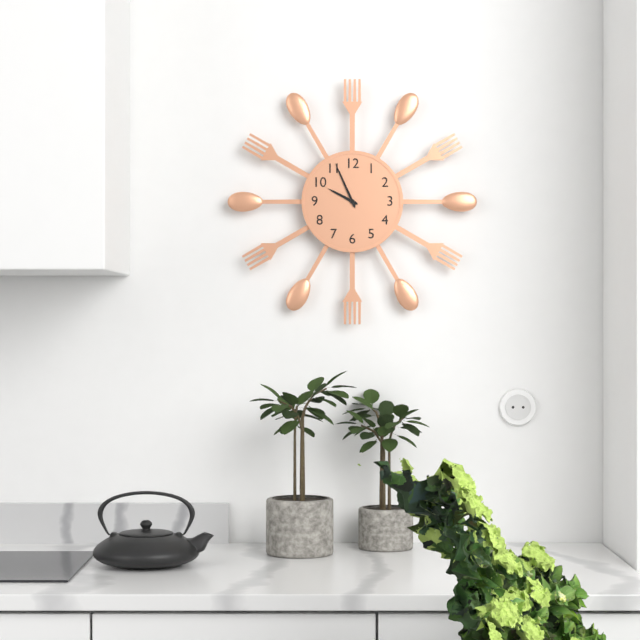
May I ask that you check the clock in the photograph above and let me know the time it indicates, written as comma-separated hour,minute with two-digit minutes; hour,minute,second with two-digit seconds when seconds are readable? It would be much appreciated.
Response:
9,56
